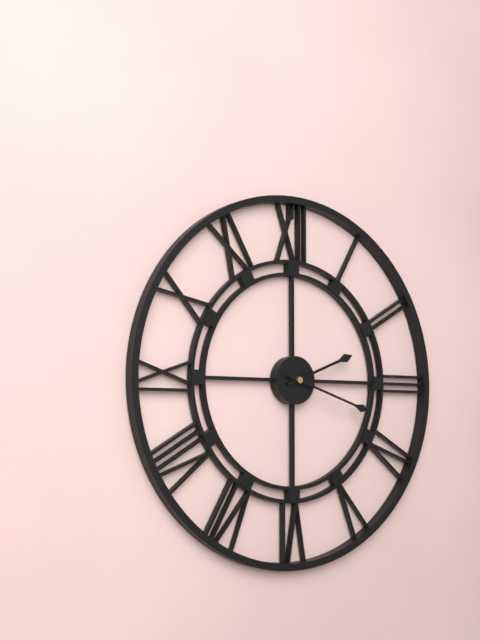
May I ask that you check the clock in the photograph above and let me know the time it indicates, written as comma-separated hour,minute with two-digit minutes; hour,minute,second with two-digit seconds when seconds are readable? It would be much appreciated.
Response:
2,18
